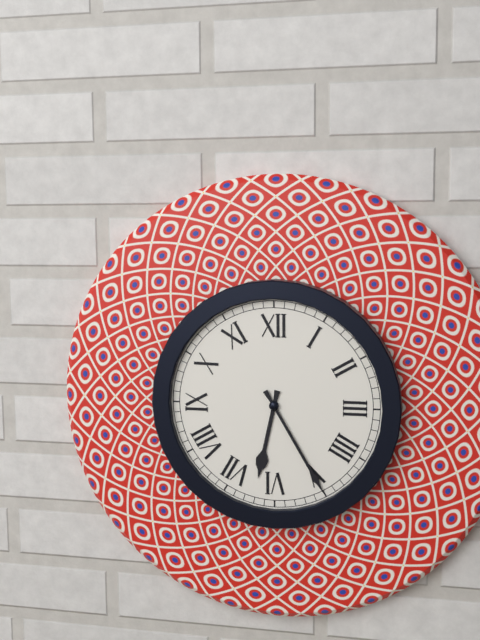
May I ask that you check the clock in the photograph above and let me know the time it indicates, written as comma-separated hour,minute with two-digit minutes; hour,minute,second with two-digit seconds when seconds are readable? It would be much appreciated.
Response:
6,25
